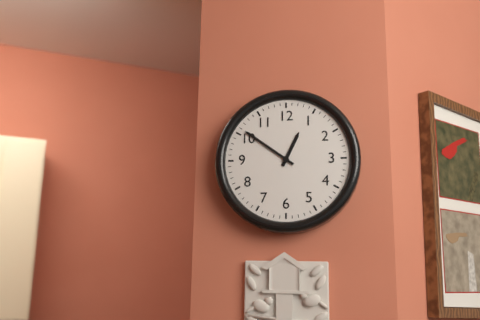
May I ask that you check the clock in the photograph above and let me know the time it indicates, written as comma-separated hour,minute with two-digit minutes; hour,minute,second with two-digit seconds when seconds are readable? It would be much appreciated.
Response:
12,51
